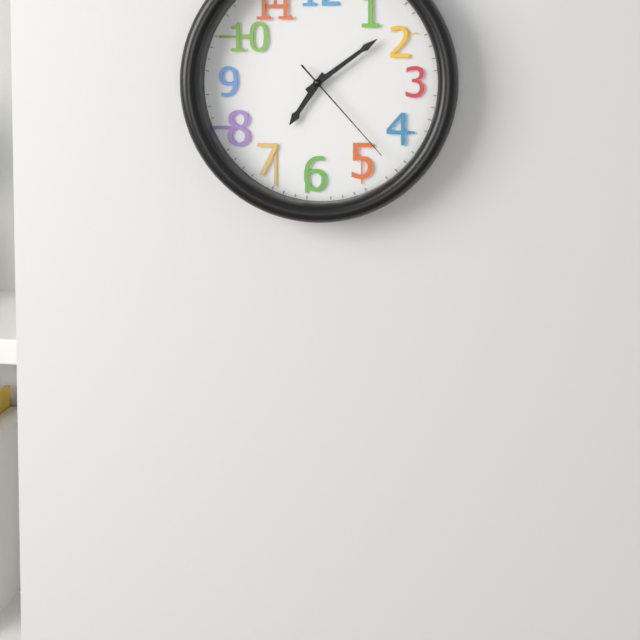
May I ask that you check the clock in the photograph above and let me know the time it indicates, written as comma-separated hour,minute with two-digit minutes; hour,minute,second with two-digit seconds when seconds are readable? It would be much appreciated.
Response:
7,09,23
